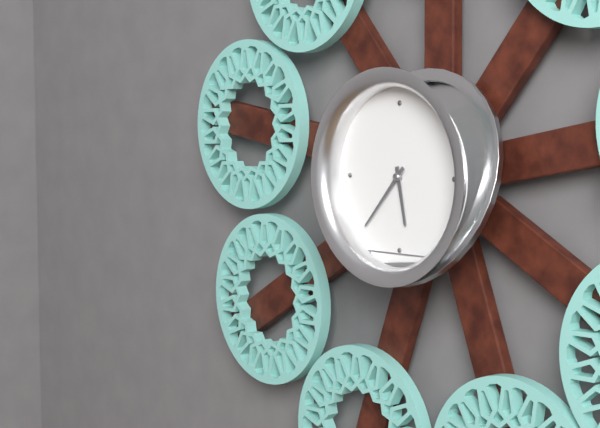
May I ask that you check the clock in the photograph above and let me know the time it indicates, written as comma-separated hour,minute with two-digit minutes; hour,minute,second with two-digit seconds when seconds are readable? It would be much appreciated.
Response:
5,37
